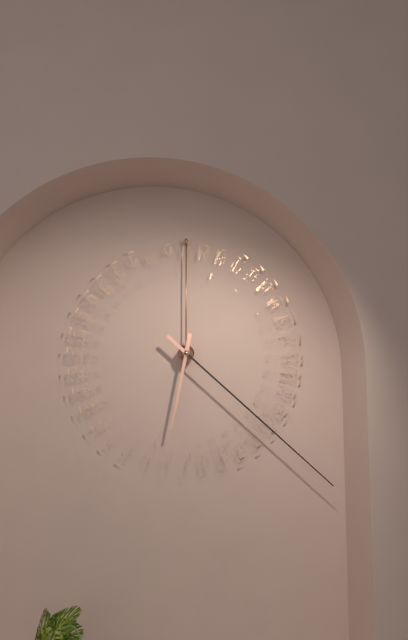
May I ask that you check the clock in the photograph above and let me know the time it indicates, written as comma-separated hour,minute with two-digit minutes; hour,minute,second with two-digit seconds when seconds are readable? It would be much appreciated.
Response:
6,22
